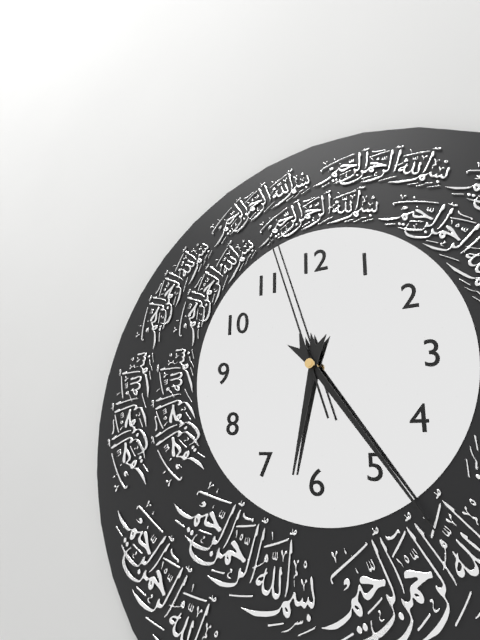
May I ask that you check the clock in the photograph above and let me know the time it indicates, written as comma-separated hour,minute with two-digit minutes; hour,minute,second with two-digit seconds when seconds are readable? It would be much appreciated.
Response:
6,24,57
